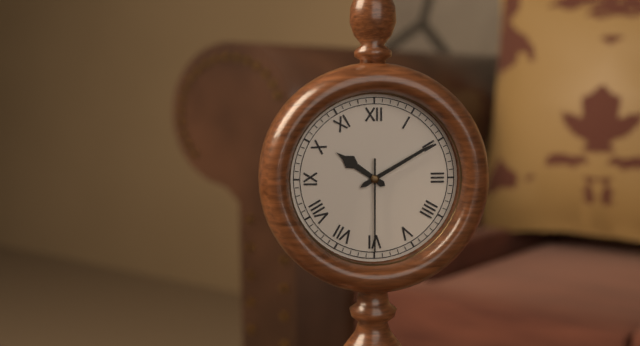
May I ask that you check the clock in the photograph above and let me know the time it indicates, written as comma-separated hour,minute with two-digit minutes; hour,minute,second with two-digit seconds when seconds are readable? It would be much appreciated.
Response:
10,10,30
